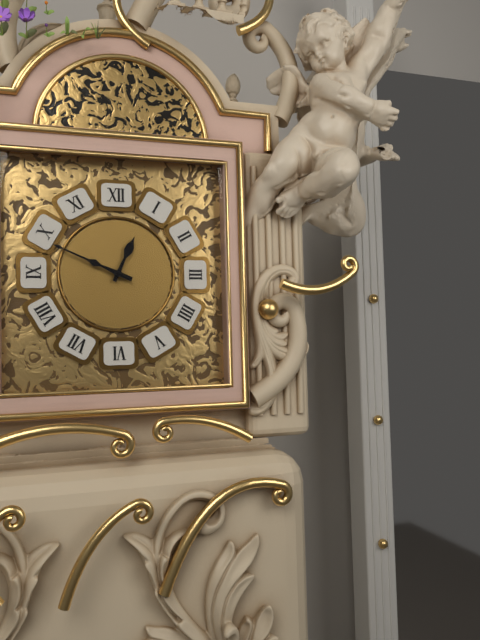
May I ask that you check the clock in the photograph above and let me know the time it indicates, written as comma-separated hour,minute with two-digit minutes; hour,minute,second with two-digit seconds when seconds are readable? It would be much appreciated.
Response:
12,49
